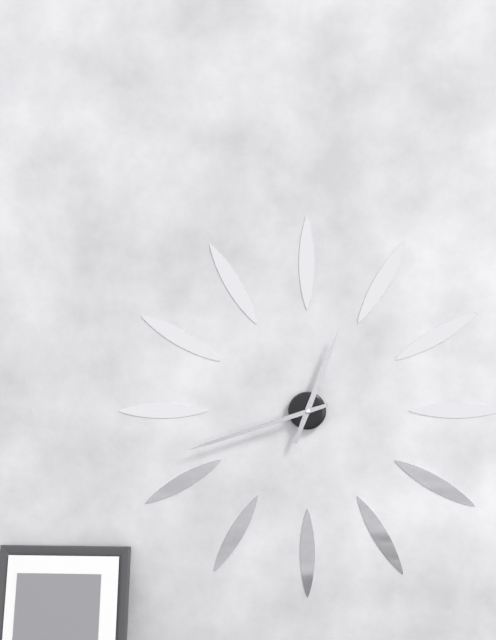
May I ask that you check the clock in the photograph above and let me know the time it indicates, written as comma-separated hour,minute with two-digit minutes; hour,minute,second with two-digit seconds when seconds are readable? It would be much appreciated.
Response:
12,42
